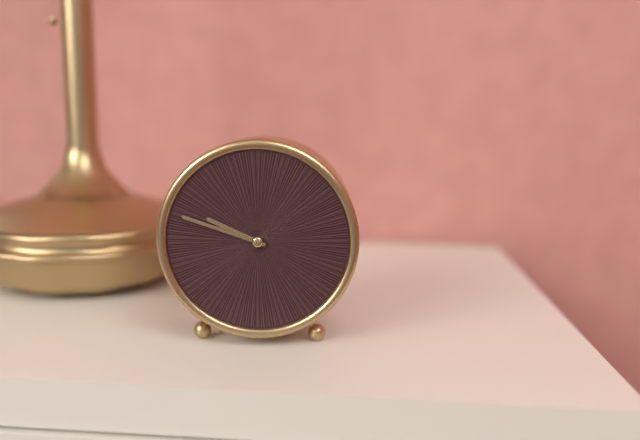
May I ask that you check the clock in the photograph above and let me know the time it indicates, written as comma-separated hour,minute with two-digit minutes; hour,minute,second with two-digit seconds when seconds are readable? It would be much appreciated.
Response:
9,48
